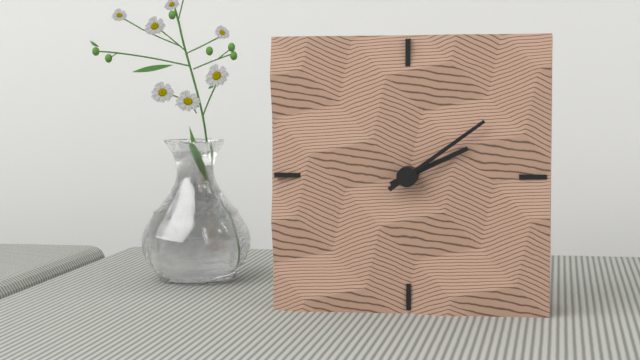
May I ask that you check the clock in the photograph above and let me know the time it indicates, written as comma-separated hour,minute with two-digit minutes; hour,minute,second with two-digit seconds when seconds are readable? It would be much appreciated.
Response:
2,09
